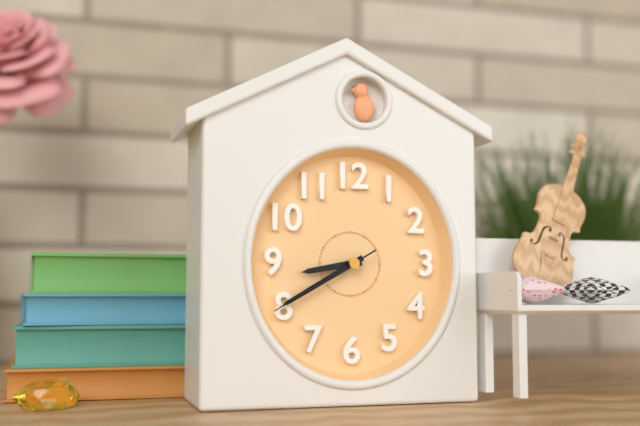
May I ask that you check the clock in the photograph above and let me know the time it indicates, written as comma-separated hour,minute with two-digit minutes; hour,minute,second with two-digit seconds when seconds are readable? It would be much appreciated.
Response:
8,40,40
